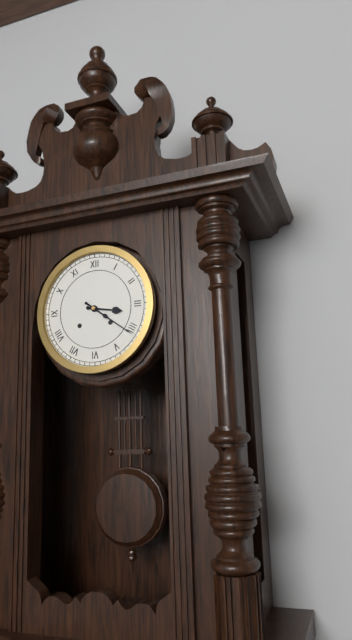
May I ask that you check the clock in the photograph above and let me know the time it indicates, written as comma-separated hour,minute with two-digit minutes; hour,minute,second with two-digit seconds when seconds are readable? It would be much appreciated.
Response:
3,21
